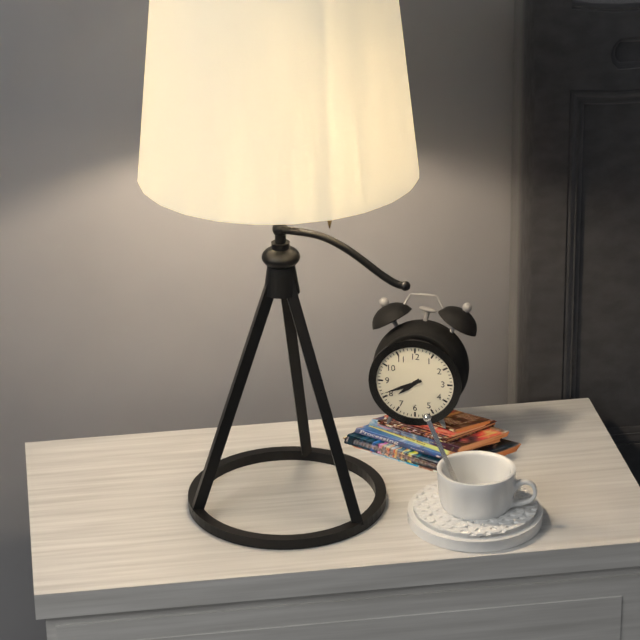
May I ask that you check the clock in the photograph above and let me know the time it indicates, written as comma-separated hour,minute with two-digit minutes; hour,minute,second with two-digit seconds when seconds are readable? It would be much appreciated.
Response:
7,41
